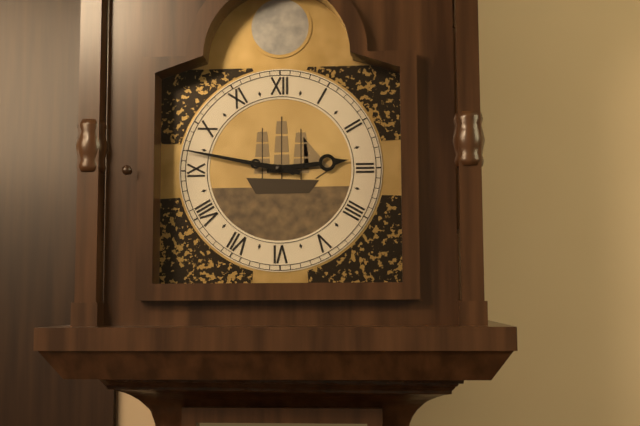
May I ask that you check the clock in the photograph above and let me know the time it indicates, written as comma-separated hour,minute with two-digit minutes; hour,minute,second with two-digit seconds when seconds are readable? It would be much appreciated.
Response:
2,47
